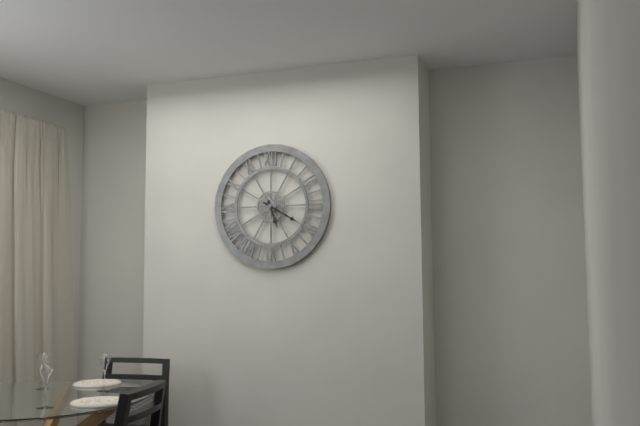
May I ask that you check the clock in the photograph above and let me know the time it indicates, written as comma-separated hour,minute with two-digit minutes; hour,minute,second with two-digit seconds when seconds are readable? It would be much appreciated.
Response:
5,20
